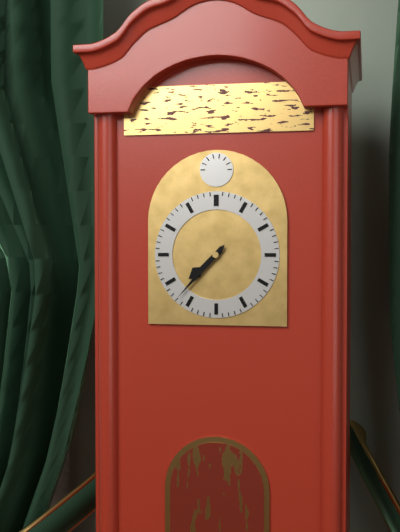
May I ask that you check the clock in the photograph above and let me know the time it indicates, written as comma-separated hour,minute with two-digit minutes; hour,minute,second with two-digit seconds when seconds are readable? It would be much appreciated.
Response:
7,37
